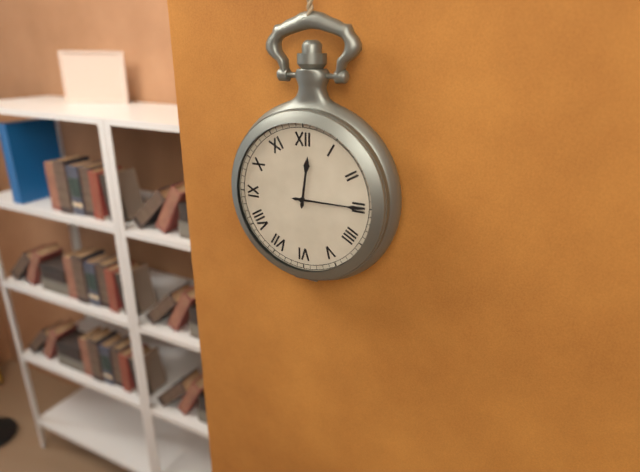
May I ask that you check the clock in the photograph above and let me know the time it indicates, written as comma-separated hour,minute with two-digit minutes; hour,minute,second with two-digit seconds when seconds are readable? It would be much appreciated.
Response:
12,15
